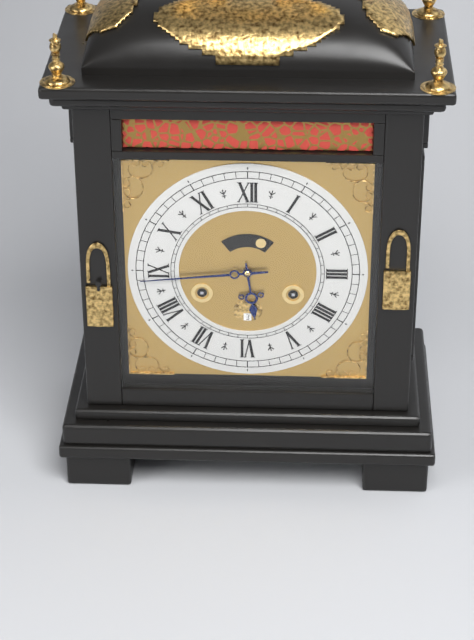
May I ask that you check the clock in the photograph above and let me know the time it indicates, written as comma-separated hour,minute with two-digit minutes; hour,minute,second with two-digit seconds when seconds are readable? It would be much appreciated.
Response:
5,44
